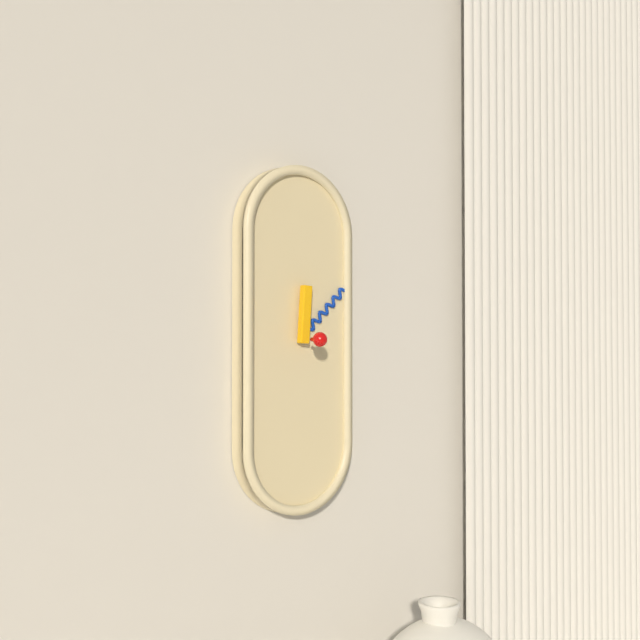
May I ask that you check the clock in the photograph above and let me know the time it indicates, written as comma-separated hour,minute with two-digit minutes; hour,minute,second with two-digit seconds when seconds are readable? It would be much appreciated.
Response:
12,08
